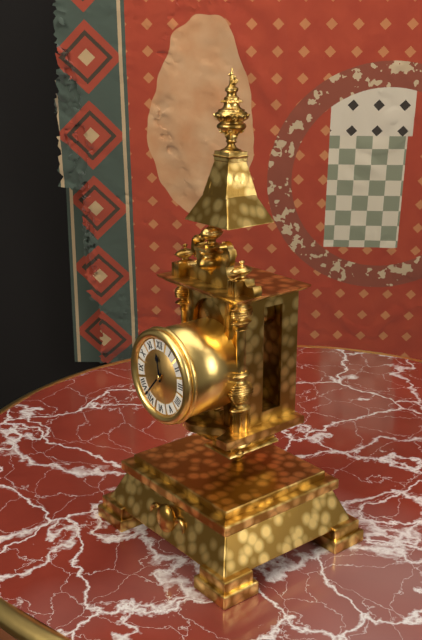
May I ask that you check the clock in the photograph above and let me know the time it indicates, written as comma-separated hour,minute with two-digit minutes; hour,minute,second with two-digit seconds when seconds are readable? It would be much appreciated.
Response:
11,37
